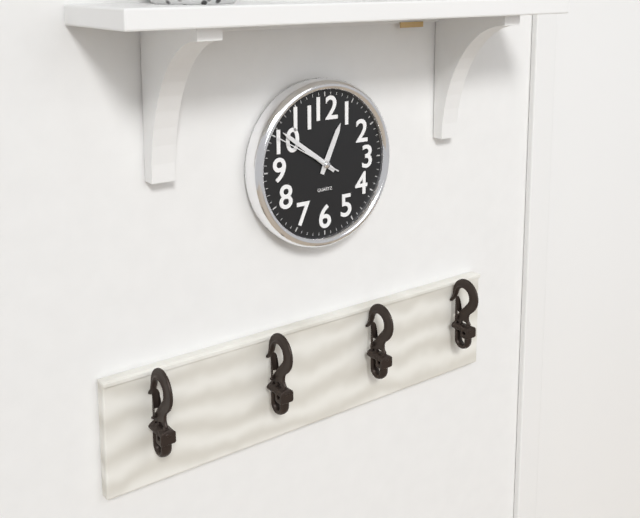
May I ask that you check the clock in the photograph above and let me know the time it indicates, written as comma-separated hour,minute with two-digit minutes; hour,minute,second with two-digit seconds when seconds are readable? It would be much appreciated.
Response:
12,51,50
